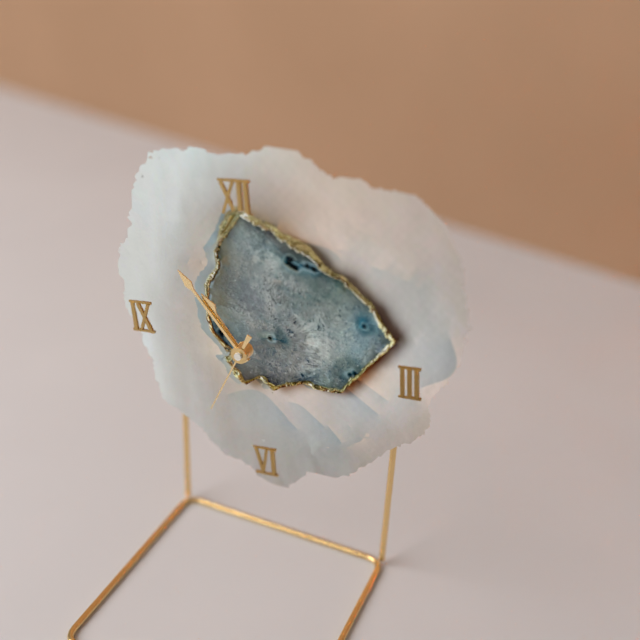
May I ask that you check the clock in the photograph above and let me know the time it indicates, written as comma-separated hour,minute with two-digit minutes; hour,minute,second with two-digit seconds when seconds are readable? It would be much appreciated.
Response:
10,54,35
